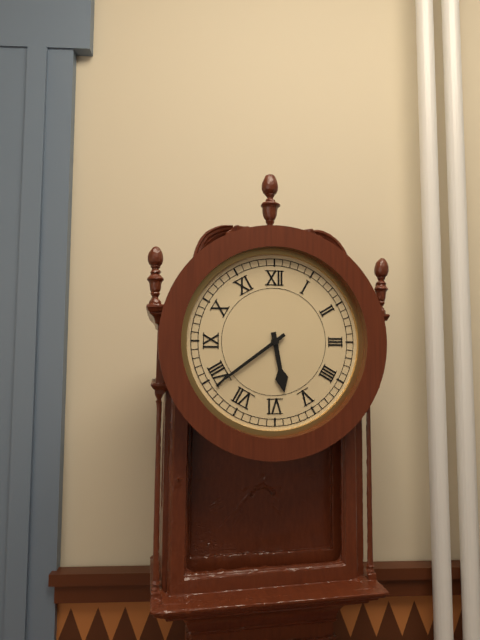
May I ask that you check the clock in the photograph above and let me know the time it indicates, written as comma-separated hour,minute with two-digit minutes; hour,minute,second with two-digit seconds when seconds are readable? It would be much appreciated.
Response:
5,39
